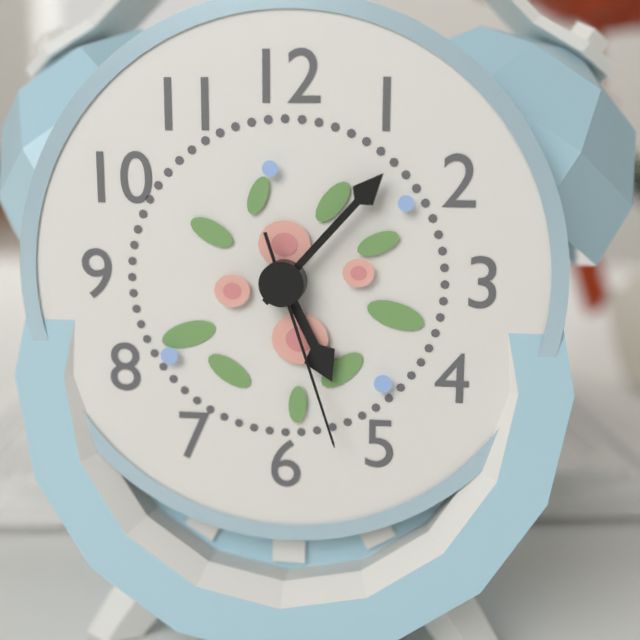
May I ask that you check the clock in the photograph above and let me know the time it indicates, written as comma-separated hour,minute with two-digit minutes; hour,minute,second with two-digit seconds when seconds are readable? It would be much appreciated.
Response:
5,07,27
